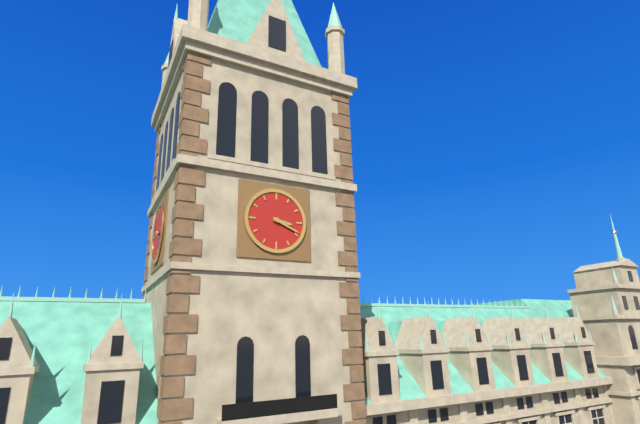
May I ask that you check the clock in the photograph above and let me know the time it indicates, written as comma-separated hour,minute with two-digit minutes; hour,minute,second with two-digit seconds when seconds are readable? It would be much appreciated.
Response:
3,19
